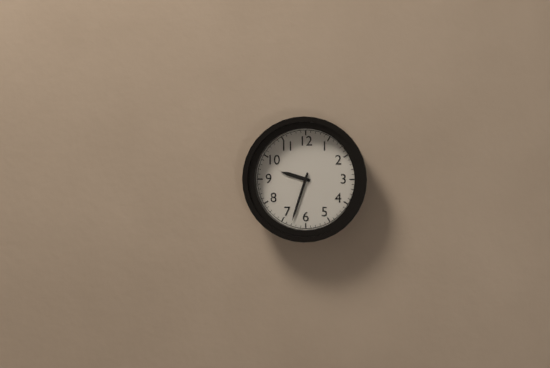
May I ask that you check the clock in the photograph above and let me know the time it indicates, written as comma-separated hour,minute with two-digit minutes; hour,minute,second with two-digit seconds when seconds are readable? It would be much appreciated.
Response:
9,33
